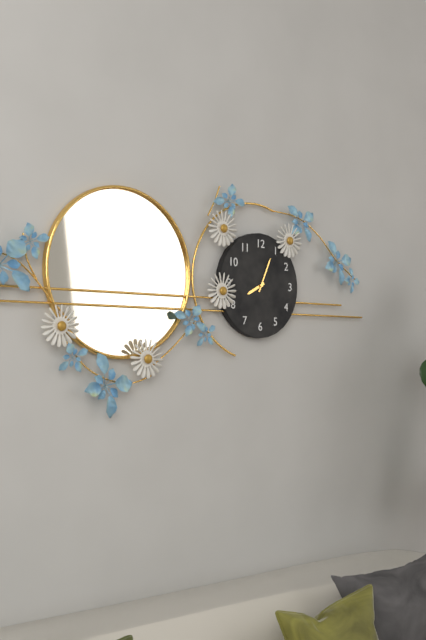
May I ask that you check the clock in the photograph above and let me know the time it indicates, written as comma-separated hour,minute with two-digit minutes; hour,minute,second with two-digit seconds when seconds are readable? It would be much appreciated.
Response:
8,04
